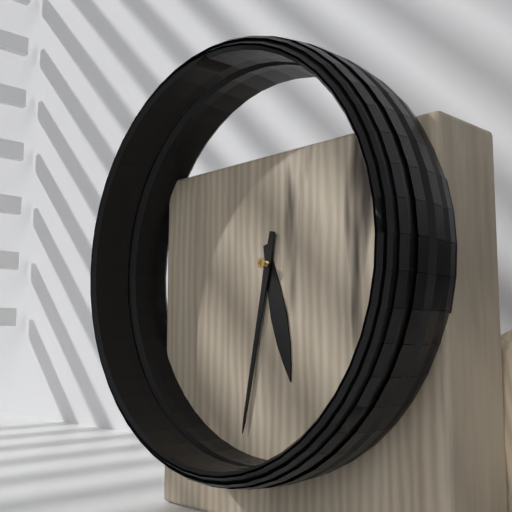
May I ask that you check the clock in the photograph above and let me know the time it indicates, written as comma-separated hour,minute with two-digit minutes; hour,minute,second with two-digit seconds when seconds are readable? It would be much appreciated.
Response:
5,32
